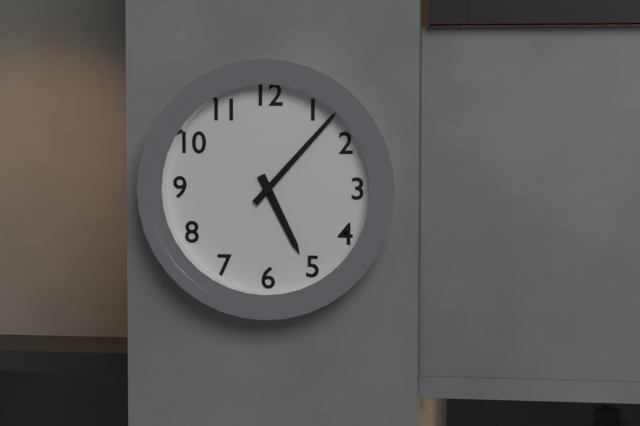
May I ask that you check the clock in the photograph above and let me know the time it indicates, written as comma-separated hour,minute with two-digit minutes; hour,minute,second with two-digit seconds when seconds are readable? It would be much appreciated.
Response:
5,07
